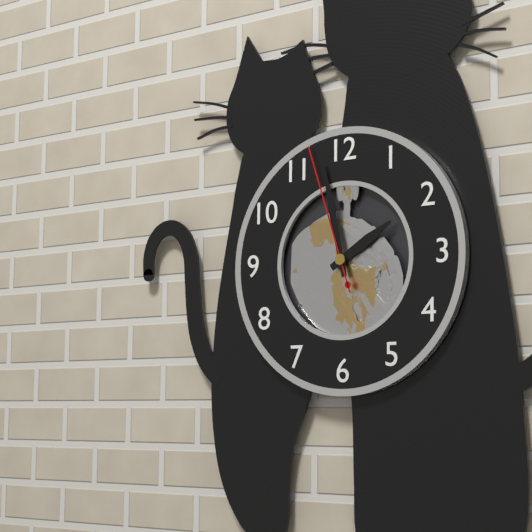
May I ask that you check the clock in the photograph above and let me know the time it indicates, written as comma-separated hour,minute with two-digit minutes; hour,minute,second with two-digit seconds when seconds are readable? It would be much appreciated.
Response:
1,58,57
